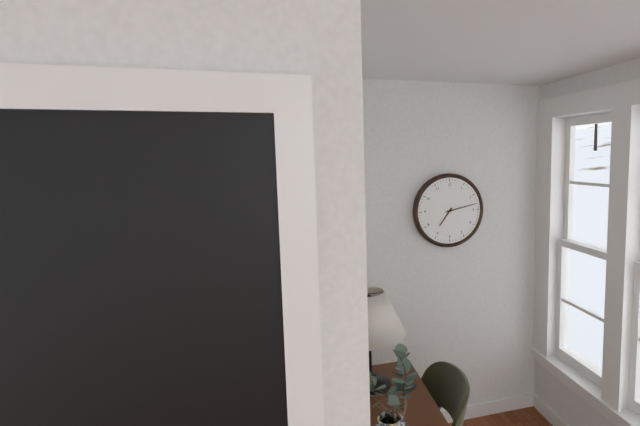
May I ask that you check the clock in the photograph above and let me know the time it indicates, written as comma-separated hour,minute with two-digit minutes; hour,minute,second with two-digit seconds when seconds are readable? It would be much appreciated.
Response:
7,13
